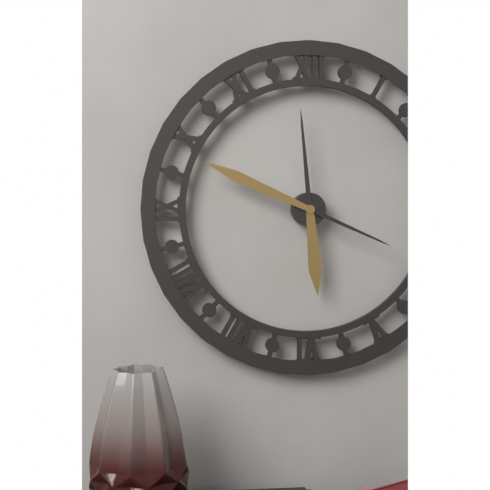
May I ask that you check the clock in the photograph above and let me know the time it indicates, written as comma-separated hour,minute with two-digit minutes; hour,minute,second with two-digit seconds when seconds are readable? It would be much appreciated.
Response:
5,49
